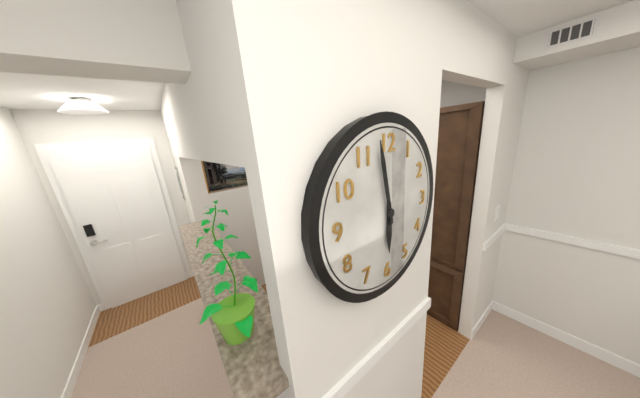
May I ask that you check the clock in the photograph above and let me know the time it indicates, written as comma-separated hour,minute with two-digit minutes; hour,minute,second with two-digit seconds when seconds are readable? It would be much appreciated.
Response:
5,58
